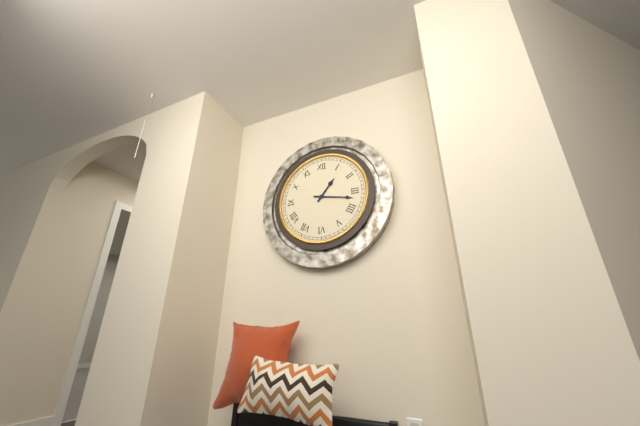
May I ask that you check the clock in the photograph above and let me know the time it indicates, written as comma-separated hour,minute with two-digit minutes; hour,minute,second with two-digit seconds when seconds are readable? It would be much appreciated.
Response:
1,17
